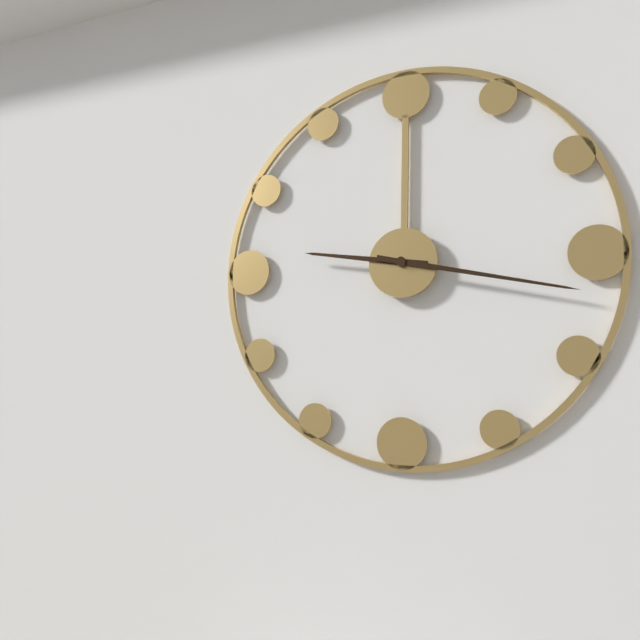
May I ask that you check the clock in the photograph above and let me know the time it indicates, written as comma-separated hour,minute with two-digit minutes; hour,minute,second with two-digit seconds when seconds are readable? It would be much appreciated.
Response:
9,17
